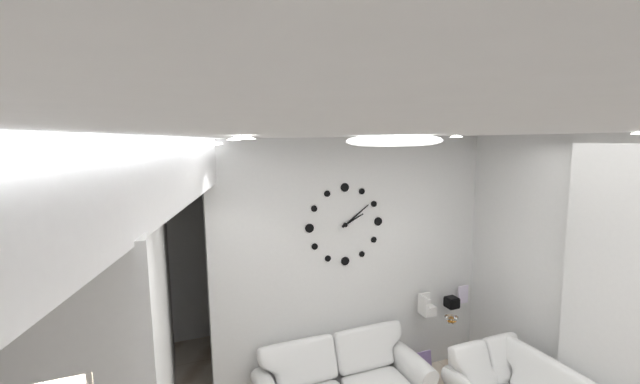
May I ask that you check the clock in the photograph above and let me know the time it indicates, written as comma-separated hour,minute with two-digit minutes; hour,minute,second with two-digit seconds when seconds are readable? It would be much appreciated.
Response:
2,09
